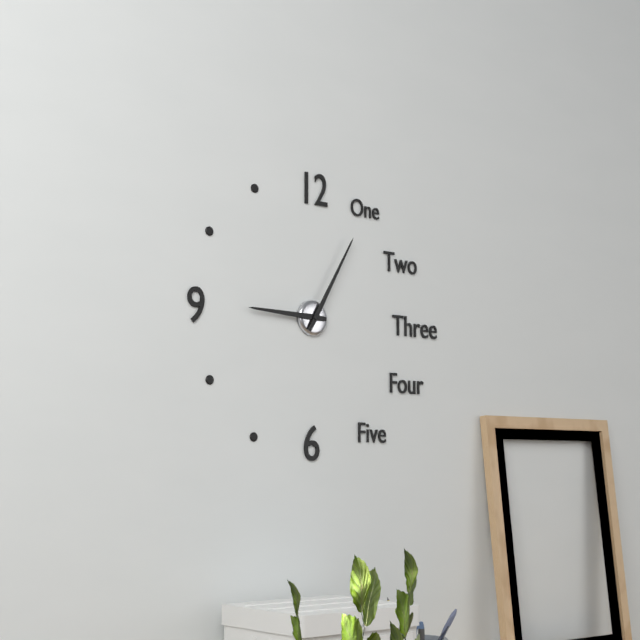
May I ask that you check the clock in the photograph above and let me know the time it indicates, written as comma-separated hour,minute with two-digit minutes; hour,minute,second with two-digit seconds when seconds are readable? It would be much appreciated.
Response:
9,05
